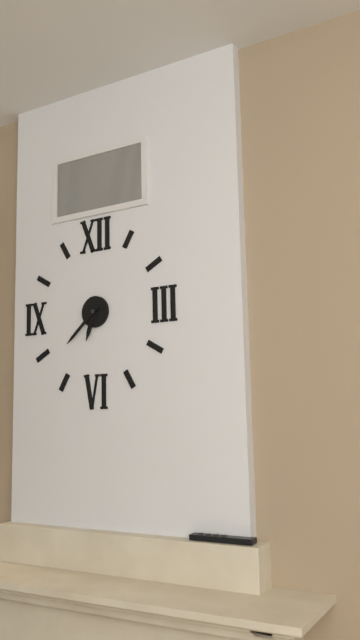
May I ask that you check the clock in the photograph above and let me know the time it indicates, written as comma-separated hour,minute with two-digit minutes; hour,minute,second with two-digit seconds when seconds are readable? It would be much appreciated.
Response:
6,38
